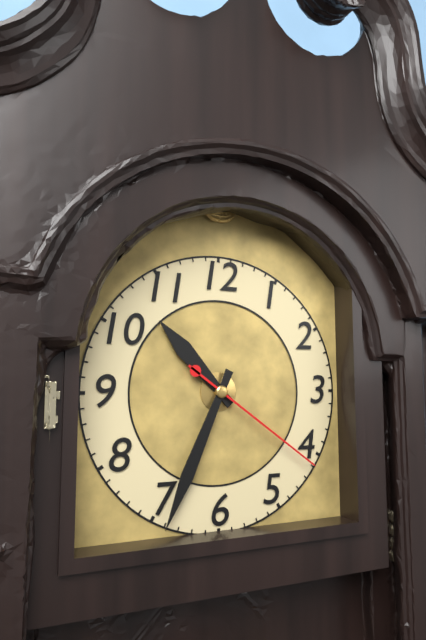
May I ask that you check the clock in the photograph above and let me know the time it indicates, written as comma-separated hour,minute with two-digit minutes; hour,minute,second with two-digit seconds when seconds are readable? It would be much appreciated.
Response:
10,34,21
